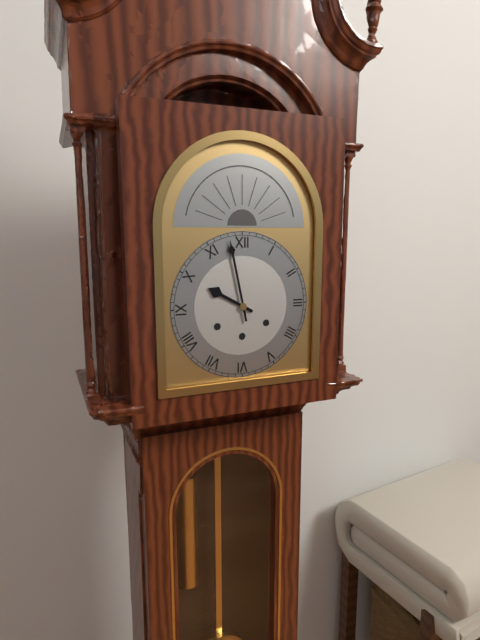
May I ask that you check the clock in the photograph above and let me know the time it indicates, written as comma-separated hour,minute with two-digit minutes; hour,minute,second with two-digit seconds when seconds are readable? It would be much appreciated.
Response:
9,58
